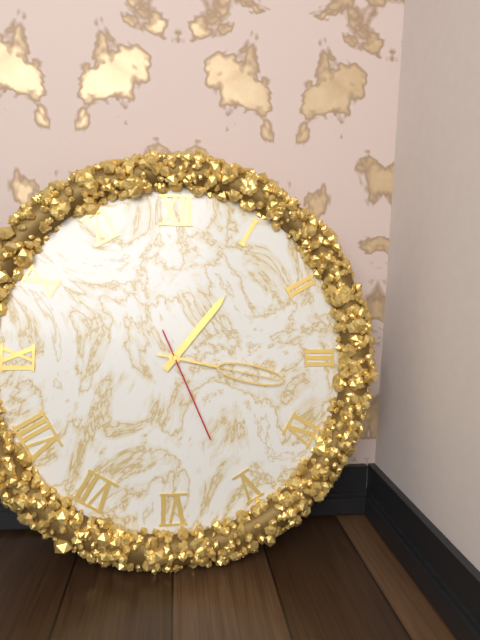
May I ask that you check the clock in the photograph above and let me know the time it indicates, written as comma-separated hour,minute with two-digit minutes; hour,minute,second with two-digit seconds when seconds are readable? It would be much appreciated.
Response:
1,17,26
